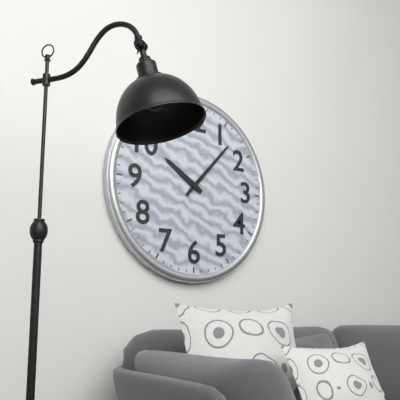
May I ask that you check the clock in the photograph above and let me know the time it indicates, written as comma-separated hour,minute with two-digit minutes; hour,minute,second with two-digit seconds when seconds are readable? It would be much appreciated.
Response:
10,07
